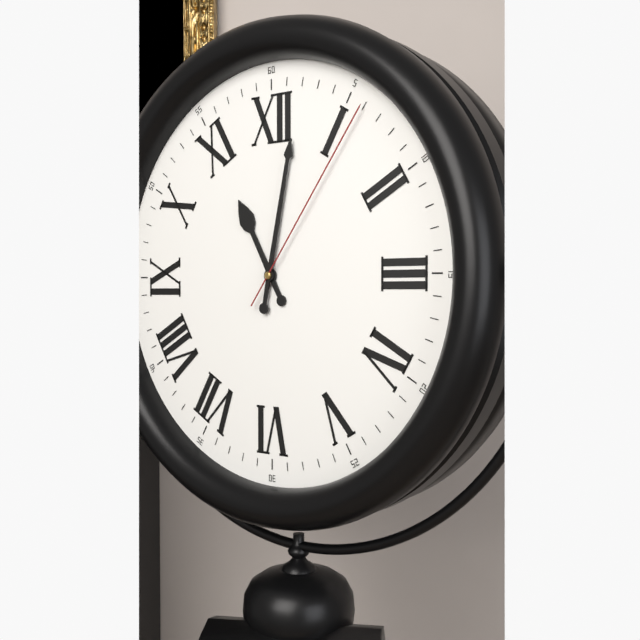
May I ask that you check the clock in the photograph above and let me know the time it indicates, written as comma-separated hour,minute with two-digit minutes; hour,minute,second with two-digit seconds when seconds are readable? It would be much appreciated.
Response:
11,02,06
